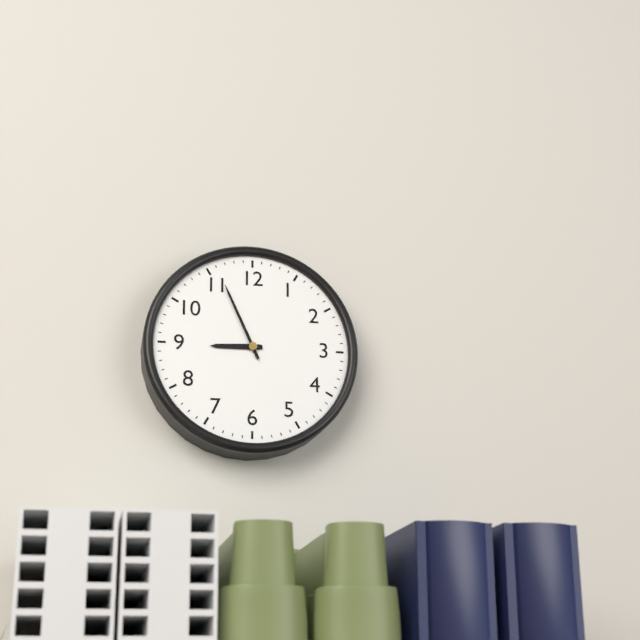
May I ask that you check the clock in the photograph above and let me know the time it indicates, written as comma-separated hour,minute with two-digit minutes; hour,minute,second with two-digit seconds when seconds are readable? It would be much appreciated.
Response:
8,56
